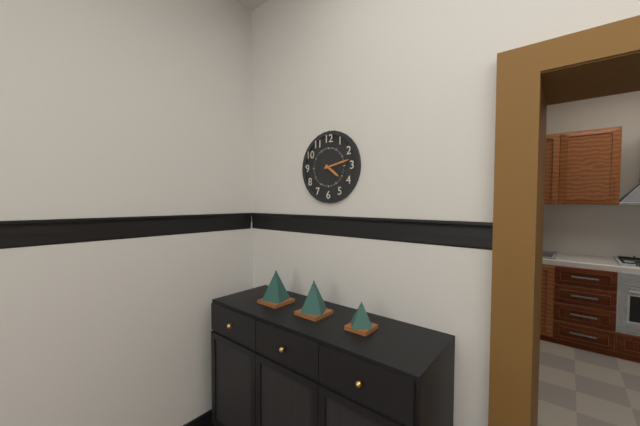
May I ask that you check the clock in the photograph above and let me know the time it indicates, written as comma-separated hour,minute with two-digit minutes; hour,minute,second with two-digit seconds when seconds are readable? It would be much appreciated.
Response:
4,13
